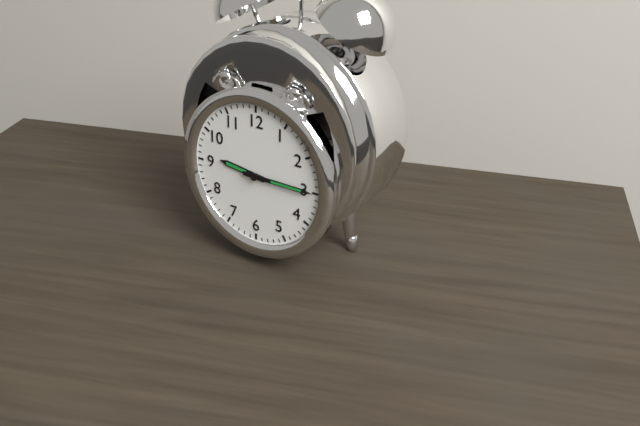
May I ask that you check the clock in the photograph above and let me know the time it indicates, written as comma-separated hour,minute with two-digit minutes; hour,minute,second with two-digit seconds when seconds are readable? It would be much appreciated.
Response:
9,15
